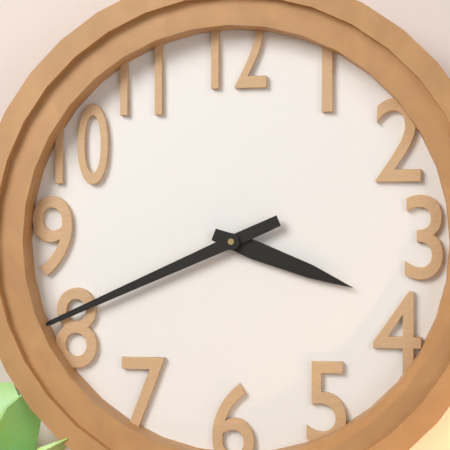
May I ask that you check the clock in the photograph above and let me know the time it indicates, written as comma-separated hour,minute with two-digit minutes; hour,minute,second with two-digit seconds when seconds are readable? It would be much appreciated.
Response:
3,41
